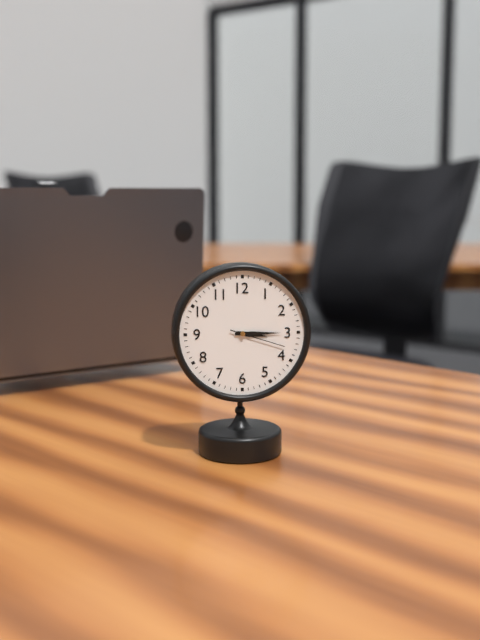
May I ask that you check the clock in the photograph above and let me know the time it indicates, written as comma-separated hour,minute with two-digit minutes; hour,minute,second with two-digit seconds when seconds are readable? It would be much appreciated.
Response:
3,15,18
